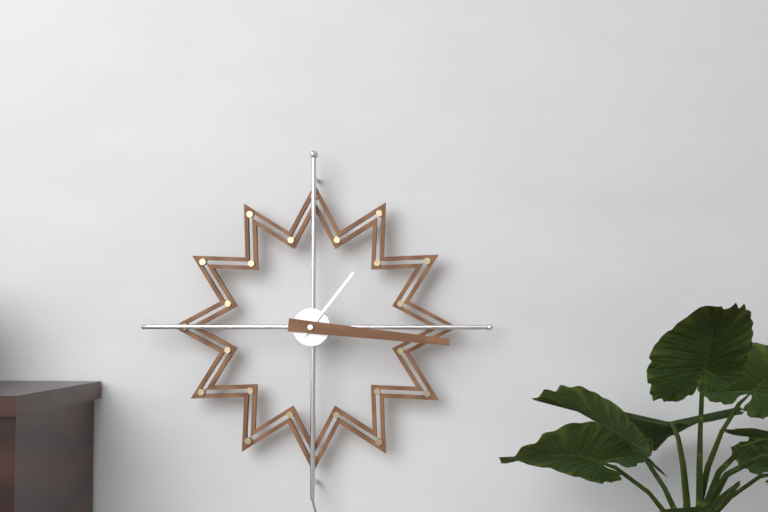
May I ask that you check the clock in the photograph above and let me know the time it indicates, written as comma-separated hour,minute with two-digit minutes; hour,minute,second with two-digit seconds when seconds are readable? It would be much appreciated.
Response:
1,16
